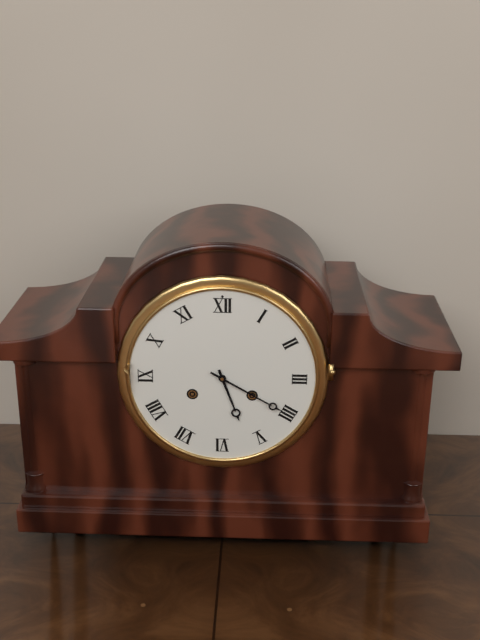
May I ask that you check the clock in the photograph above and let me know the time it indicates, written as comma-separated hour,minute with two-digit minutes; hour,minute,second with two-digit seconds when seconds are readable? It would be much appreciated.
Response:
5,20
